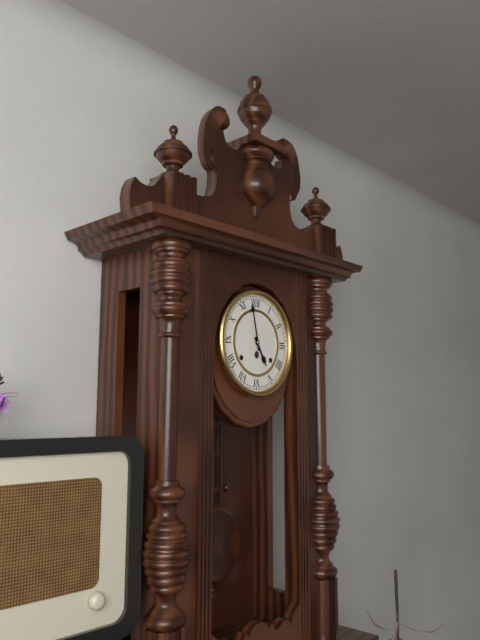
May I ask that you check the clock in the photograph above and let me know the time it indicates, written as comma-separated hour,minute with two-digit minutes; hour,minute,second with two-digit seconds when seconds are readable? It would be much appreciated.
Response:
4,58
